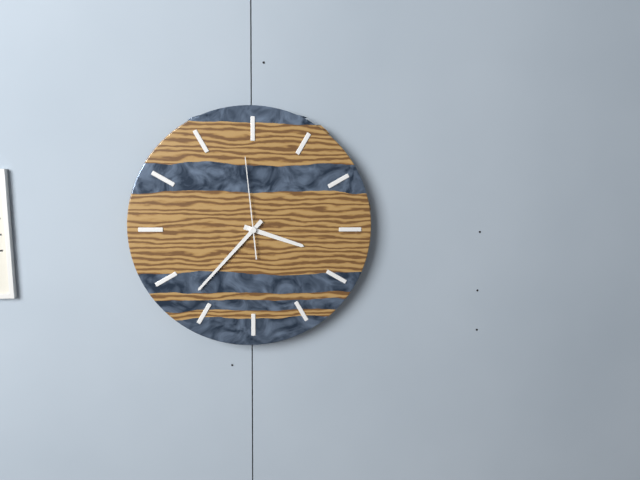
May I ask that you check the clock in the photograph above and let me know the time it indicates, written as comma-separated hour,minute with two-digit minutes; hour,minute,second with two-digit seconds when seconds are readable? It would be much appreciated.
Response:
3,37,59
